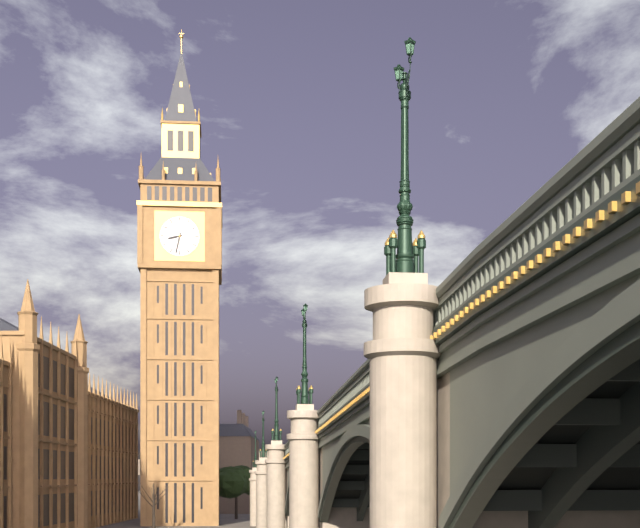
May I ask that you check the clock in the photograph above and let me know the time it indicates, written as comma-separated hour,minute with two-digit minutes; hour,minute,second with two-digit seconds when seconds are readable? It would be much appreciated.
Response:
8,32
